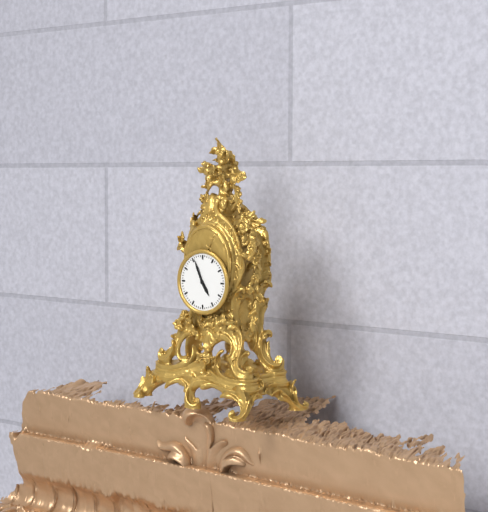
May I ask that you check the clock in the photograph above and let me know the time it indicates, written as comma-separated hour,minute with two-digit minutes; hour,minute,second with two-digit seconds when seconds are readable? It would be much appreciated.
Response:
4,56
